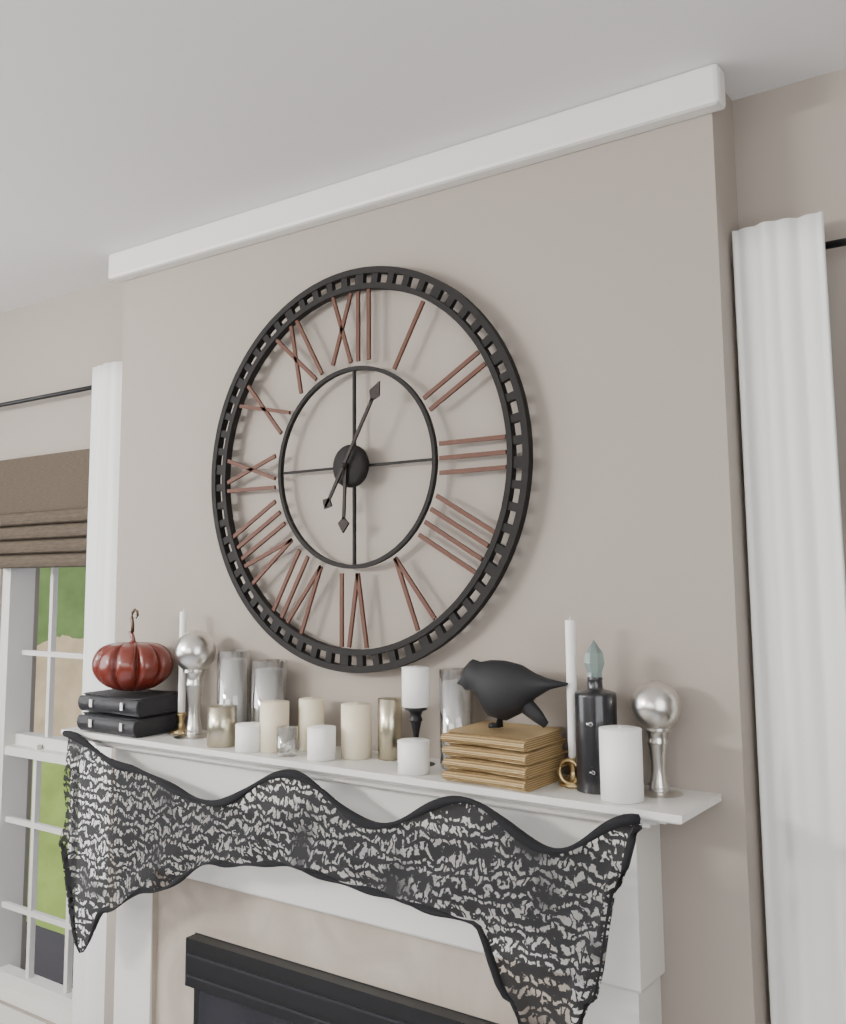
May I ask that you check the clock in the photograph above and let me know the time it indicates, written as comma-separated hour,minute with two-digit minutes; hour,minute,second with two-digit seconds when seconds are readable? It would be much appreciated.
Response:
6,05
